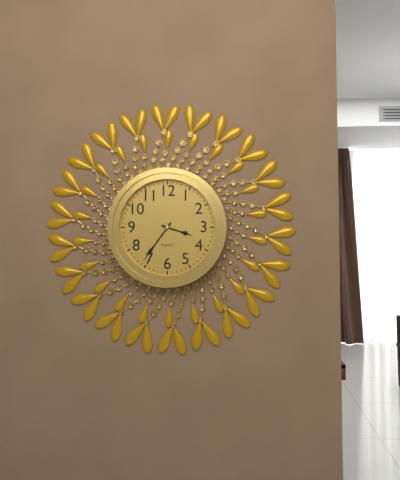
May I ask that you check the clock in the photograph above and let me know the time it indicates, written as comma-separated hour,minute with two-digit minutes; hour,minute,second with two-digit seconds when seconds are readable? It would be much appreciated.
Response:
3,36
